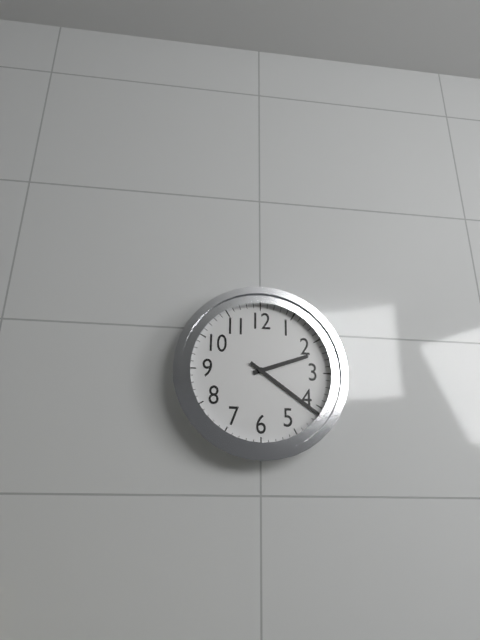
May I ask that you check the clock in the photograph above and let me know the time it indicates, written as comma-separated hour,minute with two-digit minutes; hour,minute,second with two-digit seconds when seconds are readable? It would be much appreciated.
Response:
2,21
